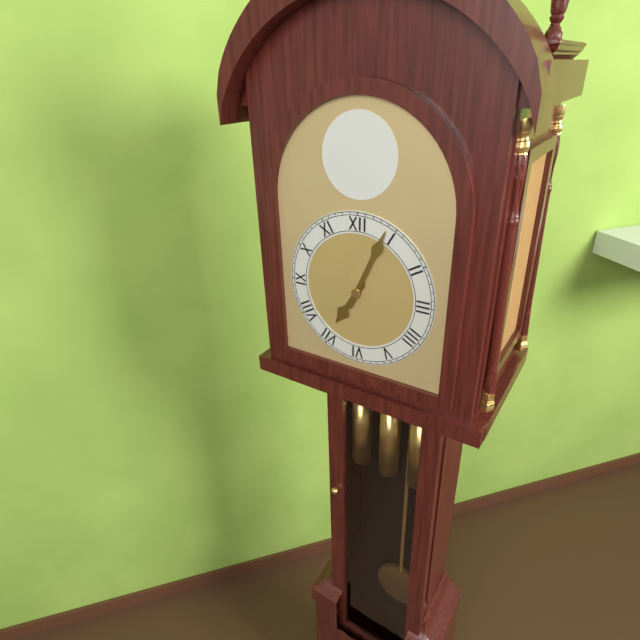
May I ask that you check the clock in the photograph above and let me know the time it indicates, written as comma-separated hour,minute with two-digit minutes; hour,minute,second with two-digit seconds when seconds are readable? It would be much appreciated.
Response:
7,04
